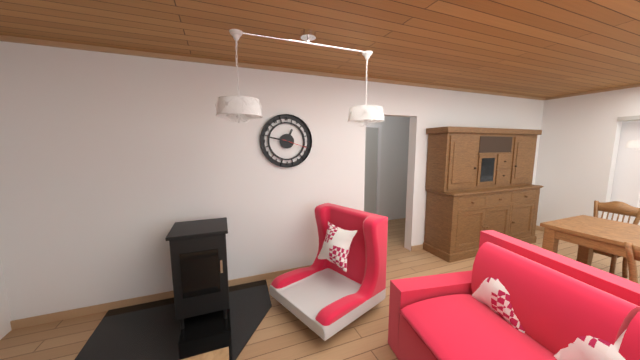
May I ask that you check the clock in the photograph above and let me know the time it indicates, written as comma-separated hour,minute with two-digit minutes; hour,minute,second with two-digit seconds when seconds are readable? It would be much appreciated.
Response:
12,47
